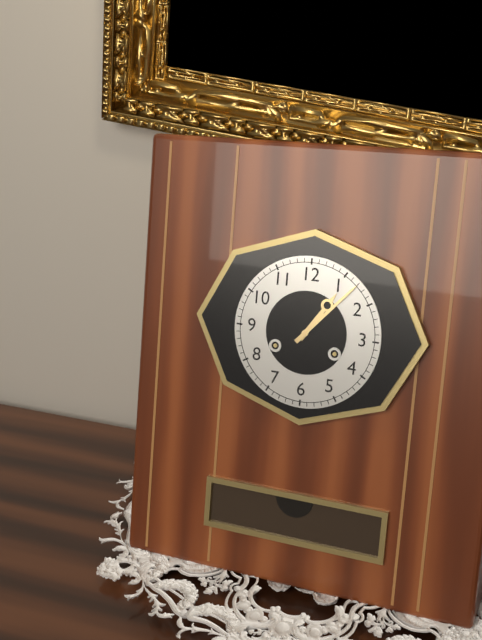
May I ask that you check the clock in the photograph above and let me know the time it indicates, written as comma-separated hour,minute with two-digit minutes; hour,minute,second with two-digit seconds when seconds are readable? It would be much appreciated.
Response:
1,07
